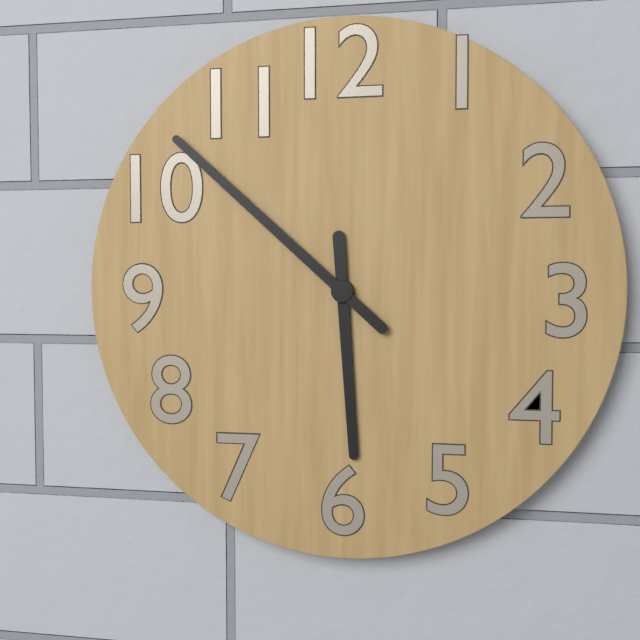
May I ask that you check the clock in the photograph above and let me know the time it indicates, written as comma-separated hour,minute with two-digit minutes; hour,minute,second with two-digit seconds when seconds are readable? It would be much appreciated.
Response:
5,52
